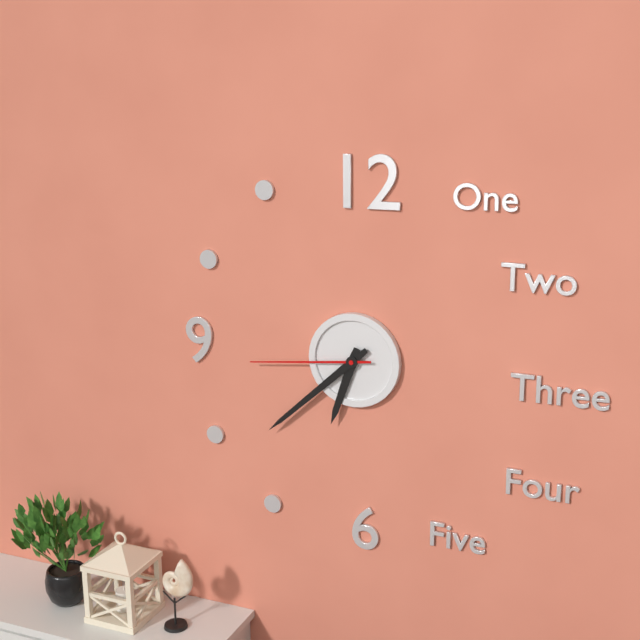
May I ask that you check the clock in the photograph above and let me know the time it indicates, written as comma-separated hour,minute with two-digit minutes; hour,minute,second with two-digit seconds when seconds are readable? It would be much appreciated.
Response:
6,38,44
